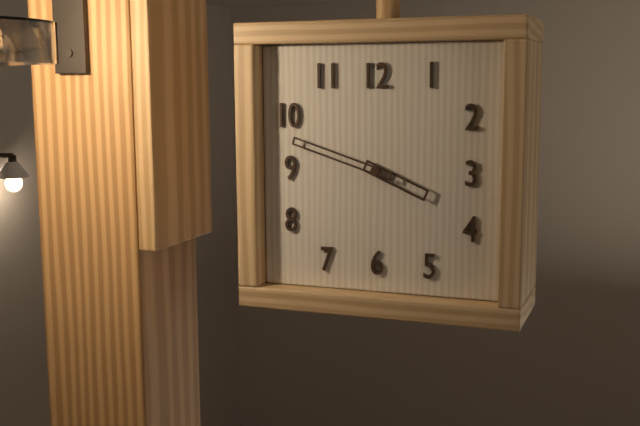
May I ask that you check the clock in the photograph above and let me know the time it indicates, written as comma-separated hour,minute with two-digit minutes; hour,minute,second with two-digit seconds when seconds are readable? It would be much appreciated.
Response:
3,48
